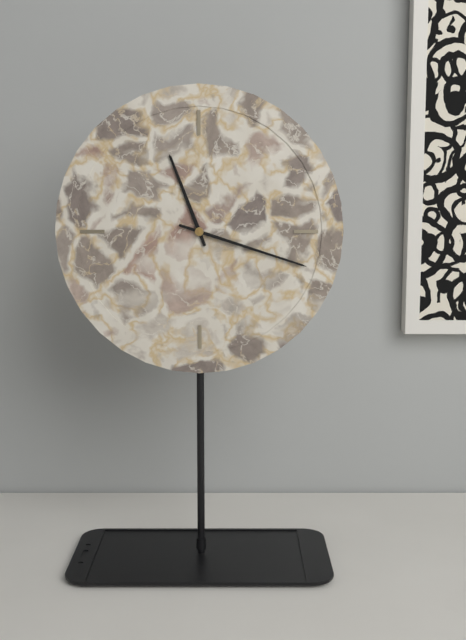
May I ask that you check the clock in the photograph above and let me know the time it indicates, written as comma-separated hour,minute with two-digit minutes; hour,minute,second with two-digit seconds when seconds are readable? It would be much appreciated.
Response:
11,18
